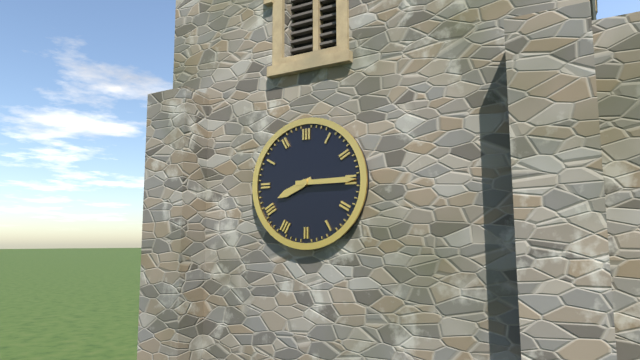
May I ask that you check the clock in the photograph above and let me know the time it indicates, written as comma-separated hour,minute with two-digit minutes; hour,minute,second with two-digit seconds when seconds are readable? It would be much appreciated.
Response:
8,15
